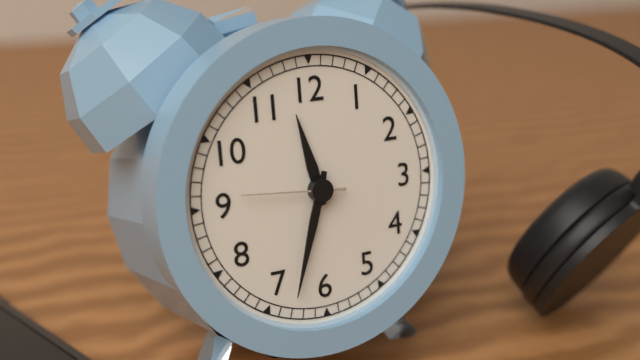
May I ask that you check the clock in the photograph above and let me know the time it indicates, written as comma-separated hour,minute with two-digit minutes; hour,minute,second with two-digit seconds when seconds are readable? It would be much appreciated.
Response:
11,33,46
